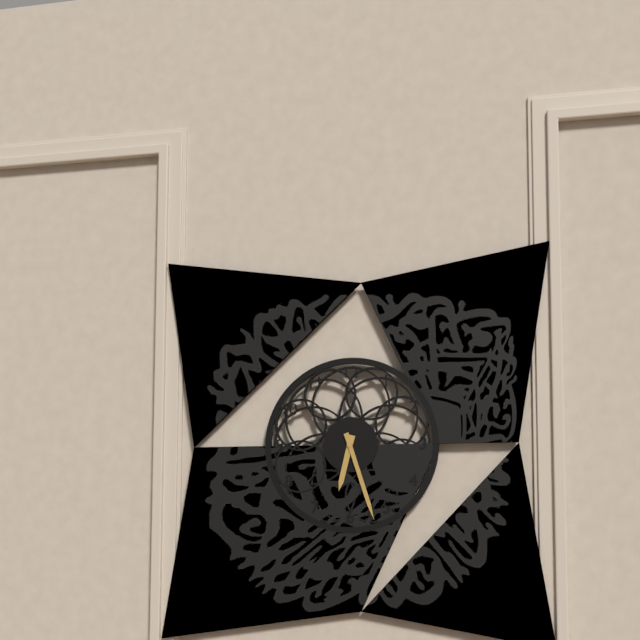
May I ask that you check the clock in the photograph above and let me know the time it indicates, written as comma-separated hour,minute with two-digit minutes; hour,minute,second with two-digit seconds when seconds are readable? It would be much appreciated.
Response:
6,27
